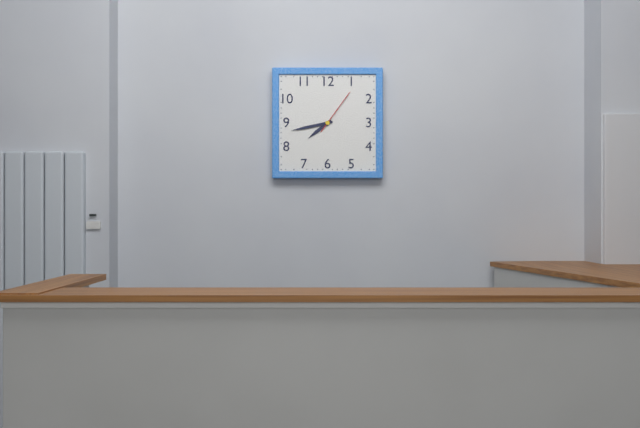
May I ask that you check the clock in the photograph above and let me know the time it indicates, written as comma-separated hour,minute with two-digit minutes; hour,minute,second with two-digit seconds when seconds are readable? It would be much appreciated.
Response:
7,43
